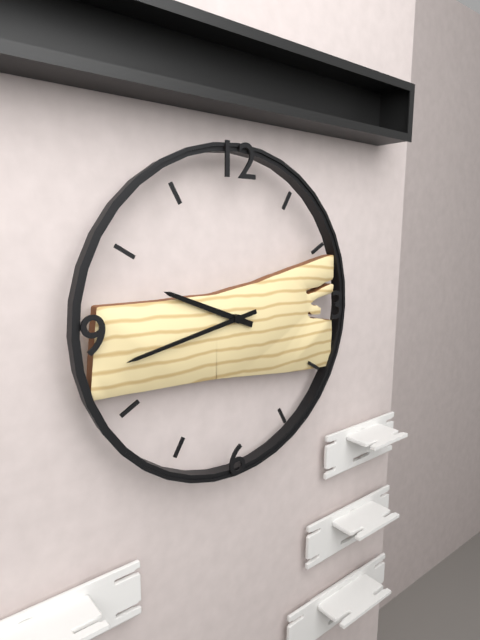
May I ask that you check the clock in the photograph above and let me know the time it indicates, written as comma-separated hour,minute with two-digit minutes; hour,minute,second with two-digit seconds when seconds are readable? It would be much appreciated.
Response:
9,43
